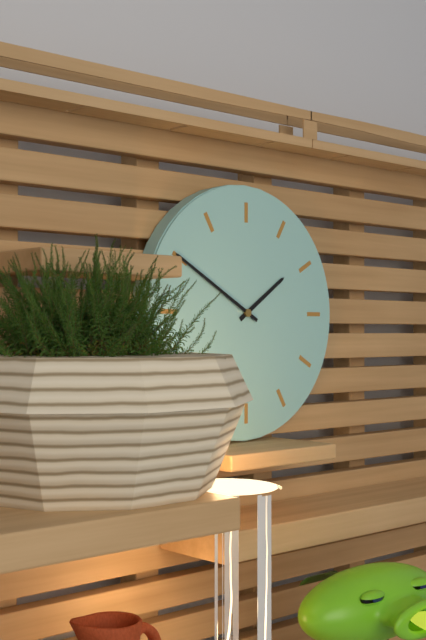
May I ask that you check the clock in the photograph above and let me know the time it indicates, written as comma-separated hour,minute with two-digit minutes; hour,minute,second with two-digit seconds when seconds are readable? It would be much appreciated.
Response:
1,50
